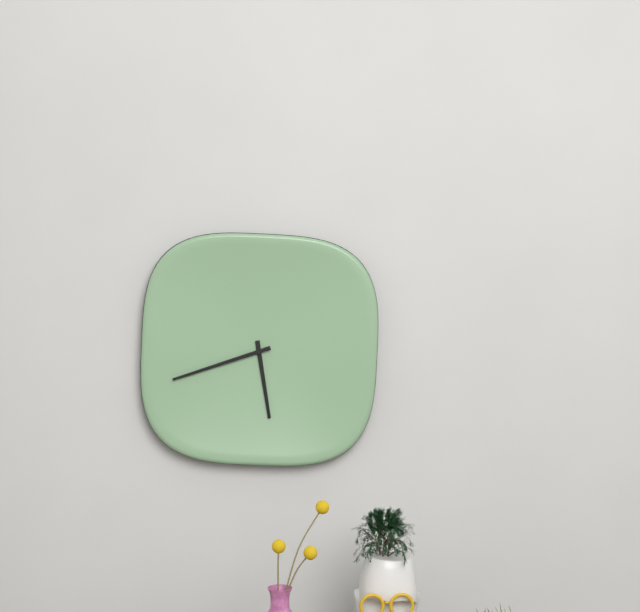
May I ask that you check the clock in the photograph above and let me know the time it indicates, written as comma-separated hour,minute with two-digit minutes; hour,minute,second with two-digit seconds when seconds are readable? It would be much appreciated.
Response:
5,42
